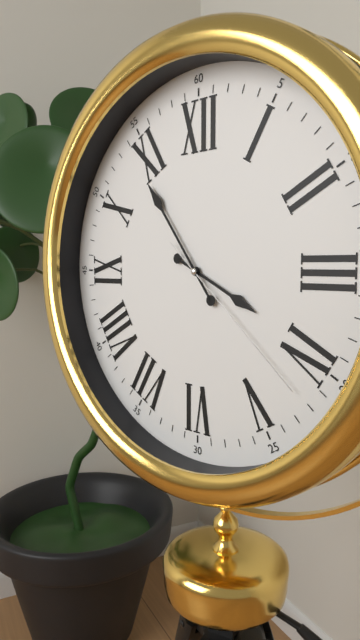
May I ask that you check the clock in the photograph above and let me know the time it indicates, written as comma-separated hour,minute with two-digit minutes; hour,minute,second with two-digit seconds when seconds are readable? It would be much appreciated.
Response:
3,54,22
